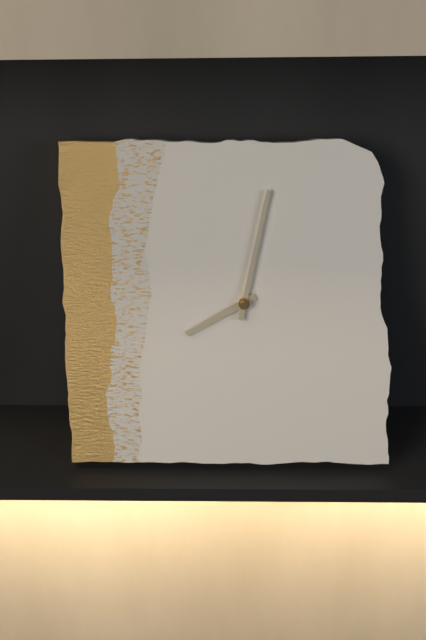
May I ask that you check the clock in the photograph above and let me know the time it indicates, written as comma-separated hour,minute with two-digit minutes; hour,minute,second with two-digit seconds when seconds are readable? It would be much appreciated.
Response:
8,02
